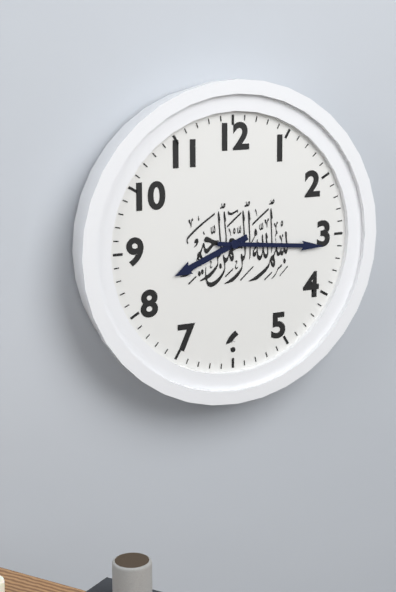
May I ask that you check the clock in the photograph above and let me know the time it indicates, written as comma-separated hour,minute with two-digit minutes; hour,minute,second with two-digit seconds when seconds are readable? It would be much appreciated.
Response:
8,16
